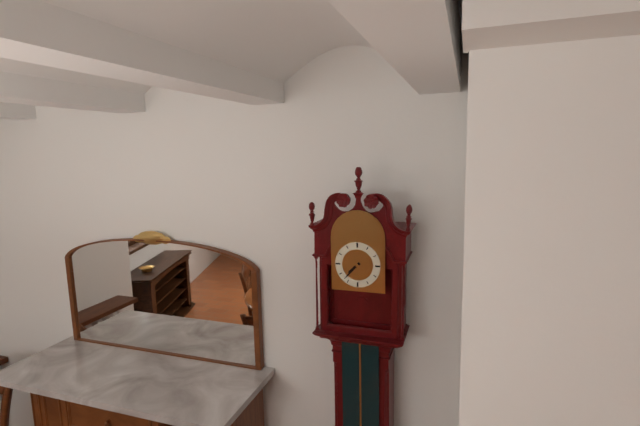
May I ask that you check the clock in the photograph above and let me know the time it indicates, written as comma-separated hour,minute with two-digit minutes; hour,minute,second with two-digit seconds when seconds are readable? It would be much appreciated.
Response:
7,37
